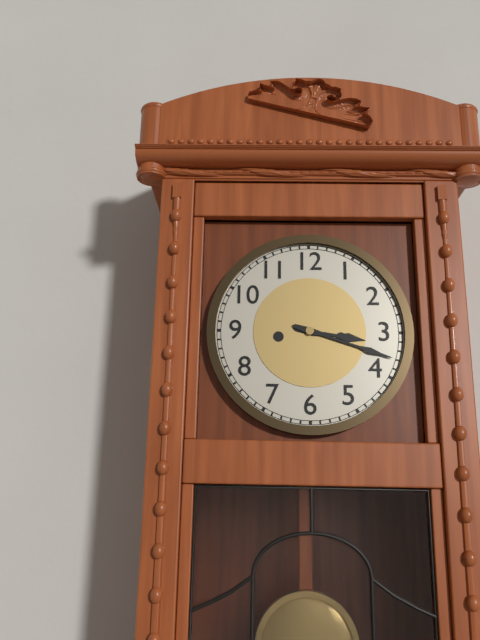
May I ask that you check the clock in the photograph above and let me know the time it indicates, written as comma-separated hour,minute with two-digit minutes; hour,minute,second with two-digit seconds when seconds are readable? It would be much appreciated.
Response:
3,18
